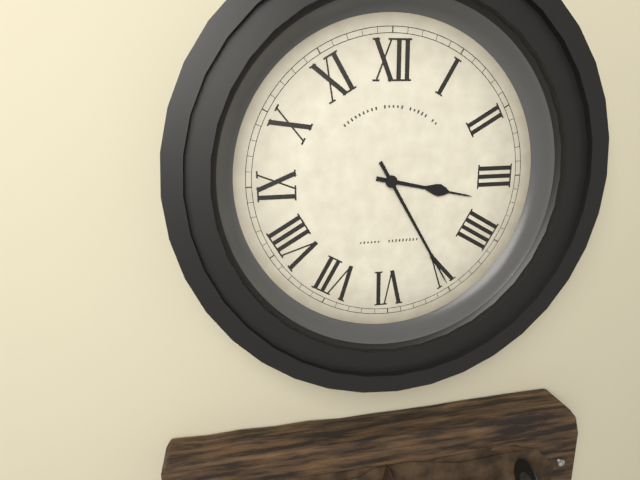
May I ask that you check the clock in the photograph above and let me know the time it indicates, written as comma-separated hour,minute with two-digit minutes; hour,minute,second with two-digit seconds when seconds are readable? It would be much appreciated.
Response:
3,25
